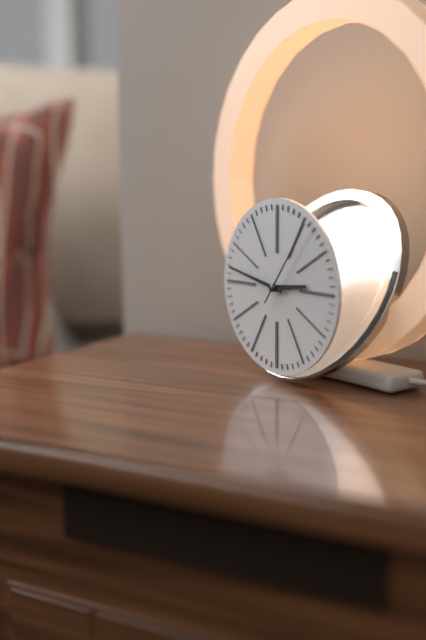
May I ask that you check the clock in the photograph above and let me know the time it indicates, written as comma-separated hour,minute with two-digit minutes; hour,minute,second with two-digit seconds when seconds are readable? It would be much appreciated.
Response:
2,47,06
